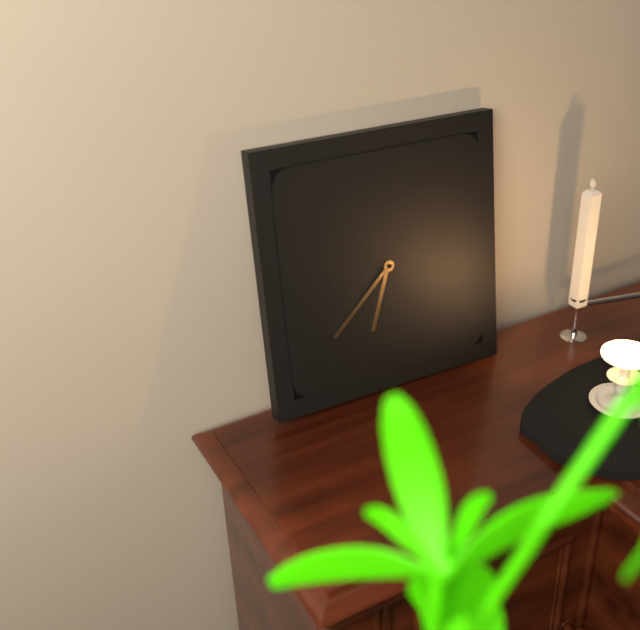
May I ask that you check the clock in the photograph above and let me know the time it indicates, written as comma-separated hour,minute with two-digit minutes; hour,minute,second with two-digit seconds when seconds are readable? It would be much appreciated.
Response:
6,38
